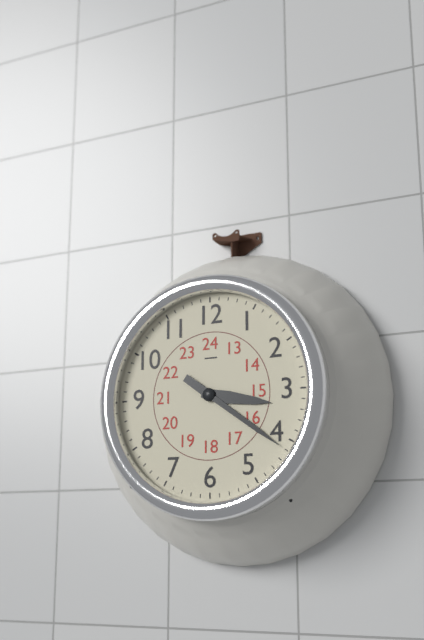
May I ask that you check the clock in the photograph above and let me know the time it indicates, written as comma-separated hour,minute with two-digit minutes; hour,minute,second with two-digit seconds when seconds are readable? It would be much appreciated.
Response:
3,21
